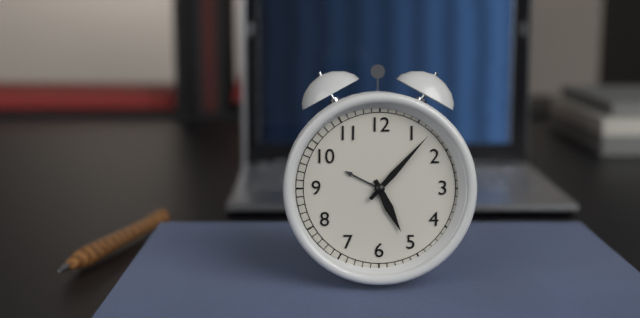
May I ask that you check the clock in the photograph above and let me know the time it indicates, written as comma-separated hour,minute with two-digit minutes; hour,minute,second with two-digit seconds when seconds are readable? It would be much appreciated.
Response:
5,07
